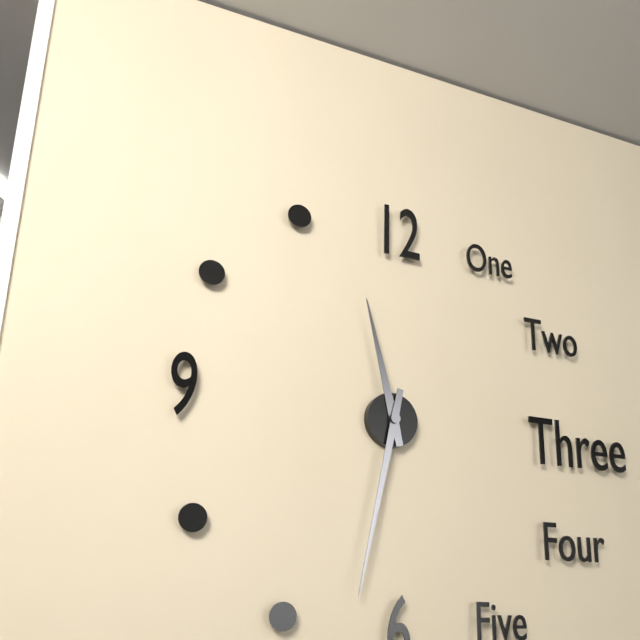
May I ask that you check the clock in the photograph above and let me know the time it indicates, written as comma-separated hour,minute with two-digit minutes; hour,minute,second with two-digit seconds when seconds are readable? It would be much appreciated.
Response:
11,32
